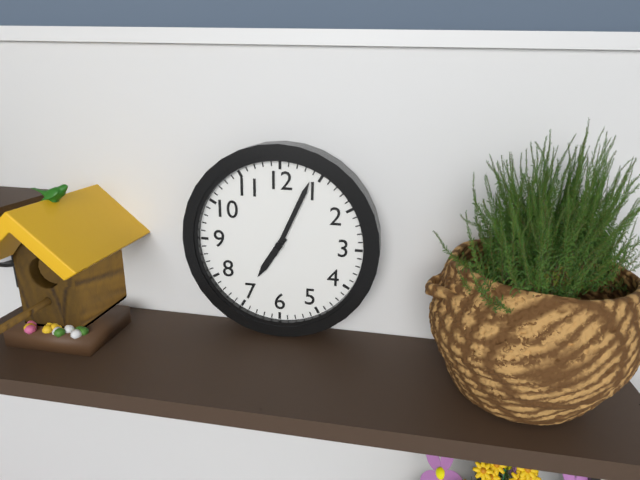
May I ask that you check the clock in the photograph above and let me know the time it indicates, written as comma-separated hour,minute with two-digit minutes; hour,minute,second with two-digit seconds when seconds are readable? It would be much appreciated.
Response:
7,04
